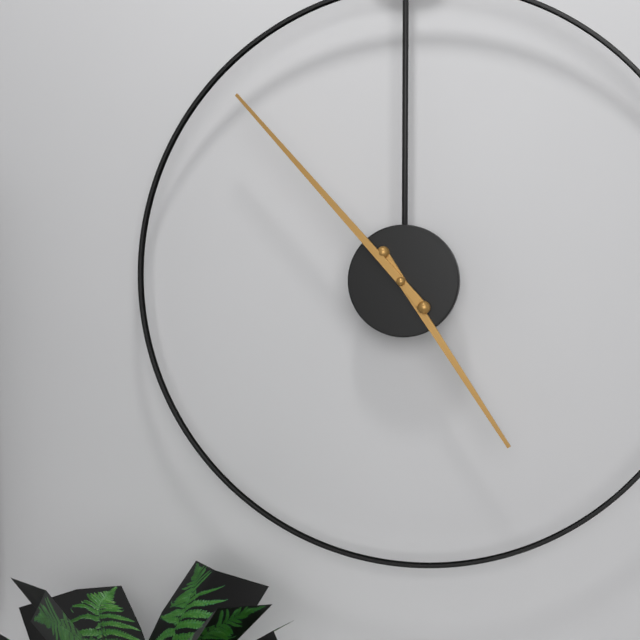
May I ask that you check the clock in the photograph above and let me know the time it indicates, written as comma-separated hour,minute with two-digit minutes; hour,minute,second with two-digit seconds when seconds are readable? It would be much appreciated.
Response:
4,53
